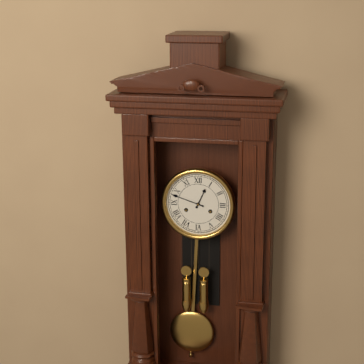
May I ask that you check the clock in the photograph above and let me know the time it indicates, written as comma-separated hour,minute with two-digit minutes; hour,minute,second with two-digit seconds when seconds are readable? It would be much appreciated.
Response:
12,48
